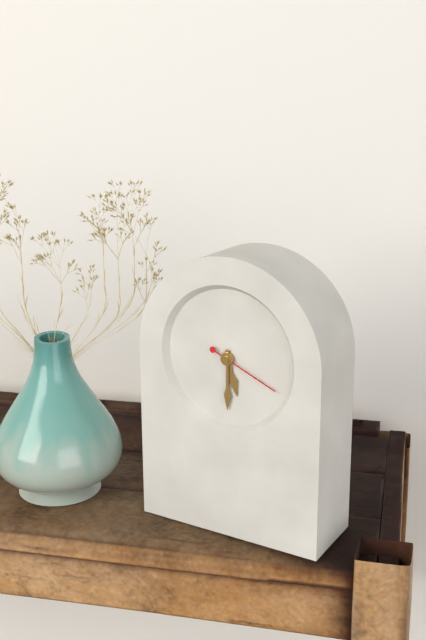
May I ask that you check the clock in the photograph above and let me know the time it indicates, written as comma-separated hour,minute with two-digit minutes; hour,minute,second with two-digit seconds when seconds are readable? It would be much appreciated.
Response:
5,30,19
